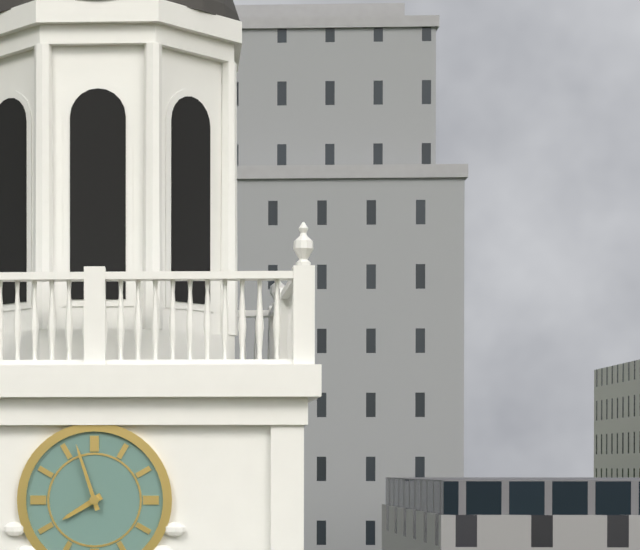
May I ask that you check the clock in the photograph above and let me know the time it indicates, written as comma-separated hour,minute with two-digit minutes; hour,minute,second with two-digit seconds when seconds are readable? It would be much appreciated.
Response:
7,57
